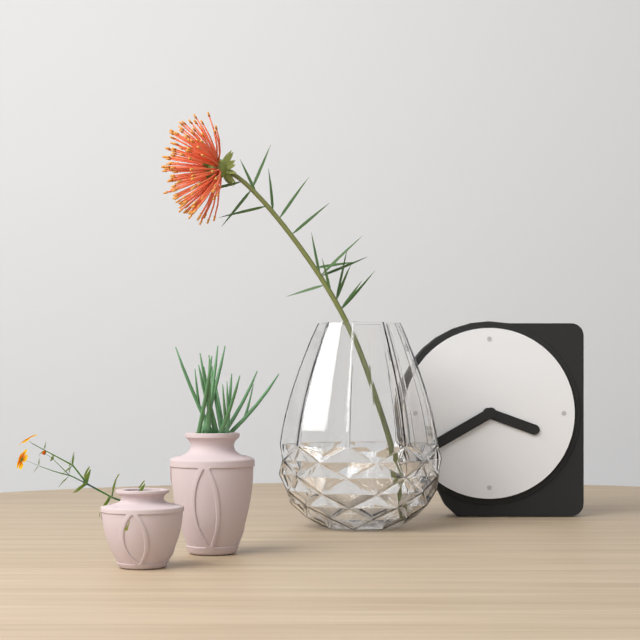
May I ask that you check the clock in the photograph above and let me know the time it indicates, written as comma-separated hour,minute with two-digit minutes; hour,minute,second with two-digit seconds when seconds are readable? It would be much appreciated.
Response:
3,40
